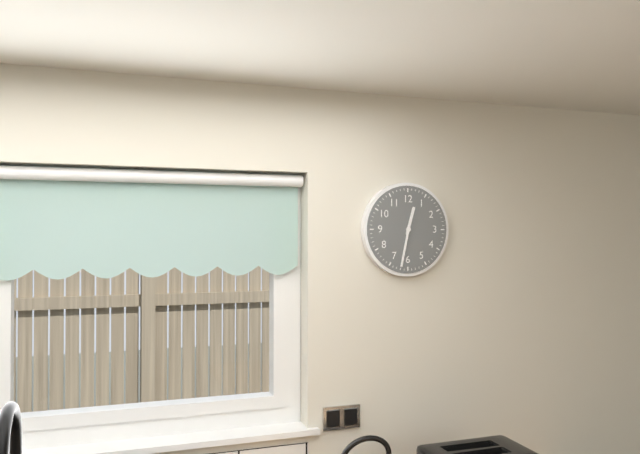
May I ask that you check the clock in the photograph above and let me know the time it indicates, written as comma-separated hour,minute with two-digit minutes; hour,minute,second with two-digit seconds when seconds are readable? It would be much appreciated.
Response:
12,32
